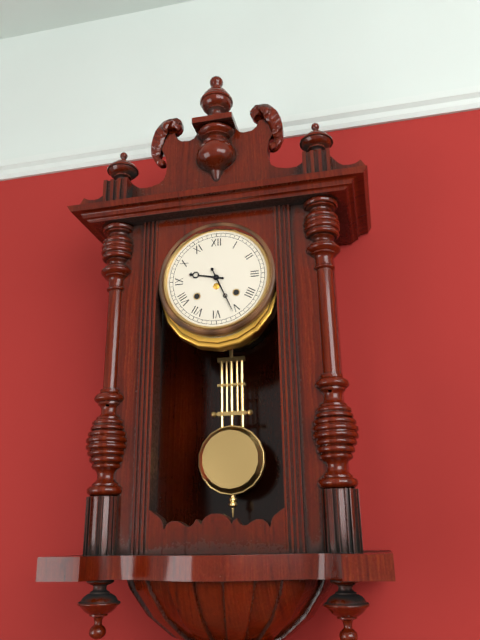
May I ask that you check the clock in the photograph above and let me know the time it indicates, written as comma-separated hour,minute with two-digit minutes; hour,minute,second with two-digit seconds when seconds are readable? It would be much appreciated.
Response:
9,26
